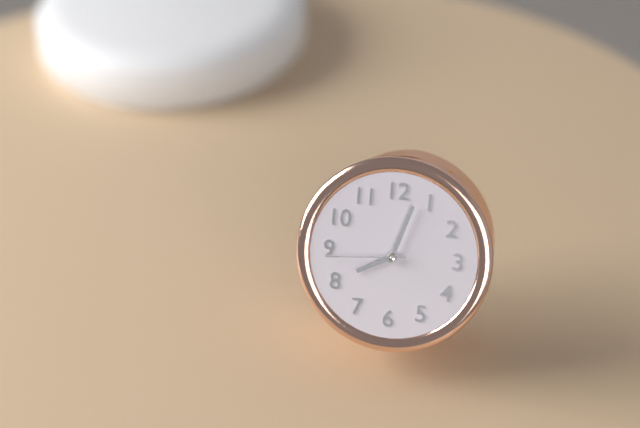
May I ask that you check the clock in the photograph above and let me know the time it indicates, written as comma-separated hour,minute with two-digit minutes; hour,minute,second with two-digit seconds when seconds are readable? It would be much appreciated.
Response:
8,03,44
